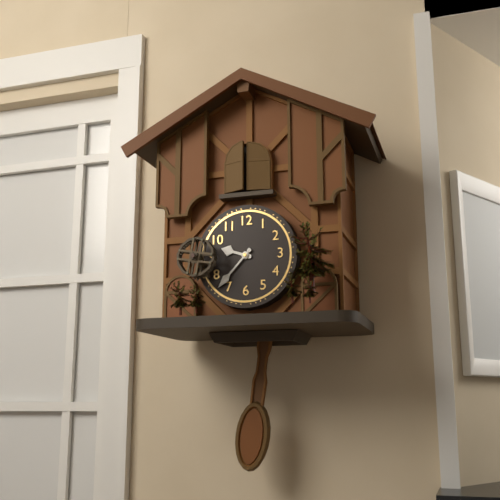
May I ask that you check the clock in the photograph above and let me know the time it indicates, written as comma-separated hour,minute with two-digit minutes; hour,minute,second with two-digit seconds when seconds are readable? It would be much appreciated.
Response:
9,37
